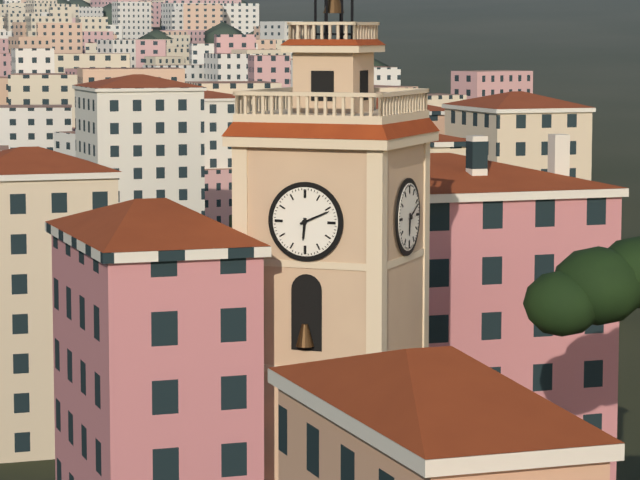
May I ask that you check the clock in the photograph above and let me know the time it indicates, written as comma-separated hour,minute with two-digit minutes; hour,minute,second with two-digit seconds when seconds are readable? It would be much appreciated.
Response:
6,11
